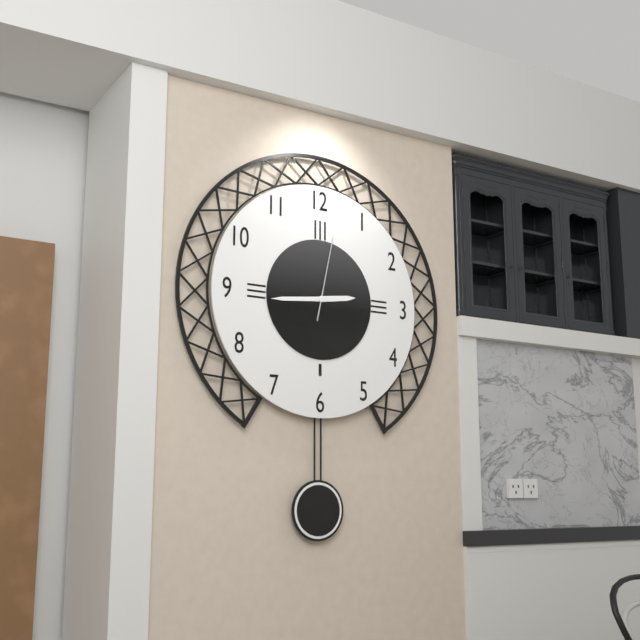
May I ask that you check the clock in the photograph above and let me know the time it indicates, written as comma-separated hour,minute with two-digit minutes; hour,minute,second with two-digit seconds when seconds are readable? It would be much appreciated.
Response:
2,44,02
